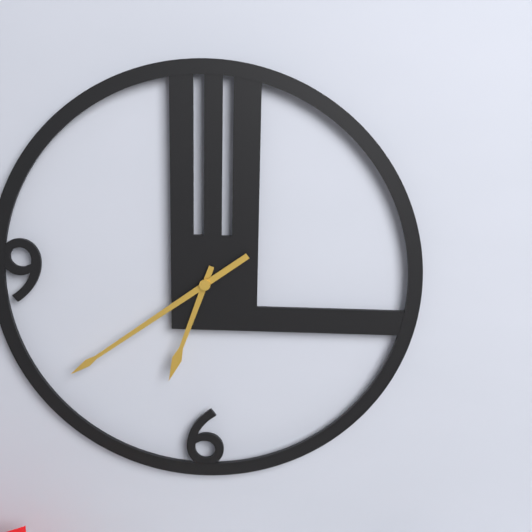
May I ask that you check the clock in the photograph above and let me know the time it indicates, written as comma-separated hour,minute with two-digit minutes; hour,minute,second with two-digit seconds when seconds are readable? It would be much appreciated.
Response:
6,39
